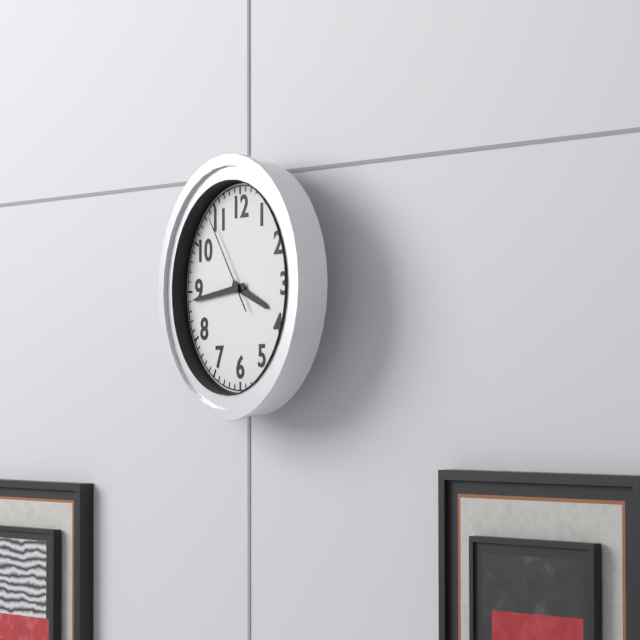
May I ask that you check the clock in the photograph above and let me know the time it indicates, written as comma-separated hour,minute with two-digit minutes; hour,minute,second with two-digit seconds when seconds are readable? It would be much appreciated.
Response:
3,44,54
